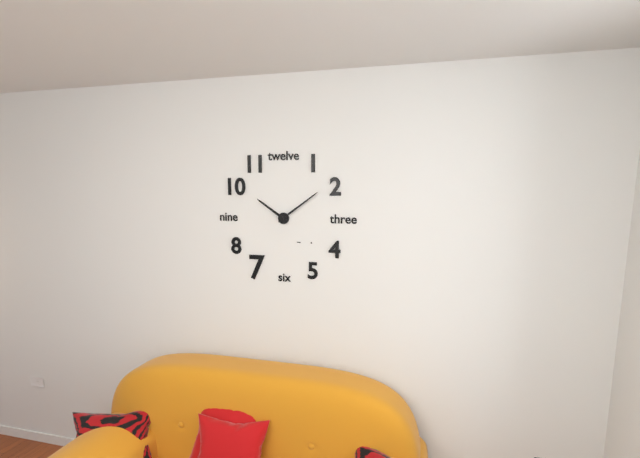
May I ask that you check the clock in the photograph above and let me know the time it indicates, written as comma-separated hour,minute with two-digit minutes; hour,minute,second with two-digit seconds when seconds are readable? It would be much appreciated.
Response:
10,09
